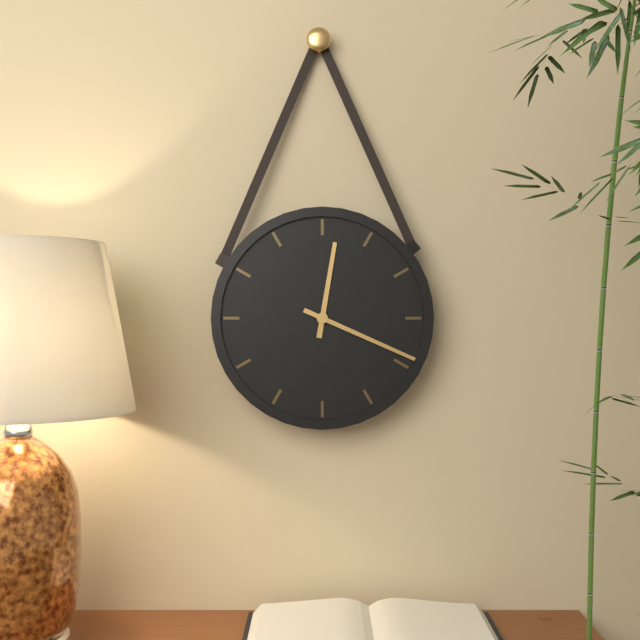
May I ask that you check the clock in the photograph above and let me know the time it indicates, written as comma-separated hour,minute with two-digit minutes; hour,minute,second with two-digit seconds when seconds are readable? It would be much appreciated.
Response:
12,19
